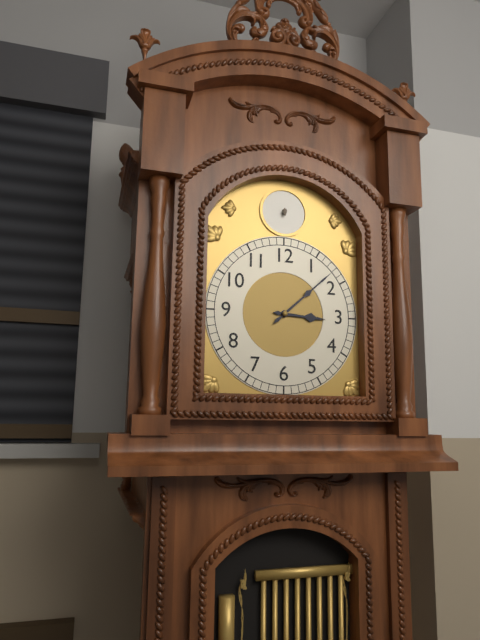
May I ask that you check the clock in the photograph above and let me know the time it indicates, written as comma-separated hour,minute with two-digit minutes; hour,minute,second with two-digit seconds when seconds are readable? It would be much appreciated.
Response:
3,08
